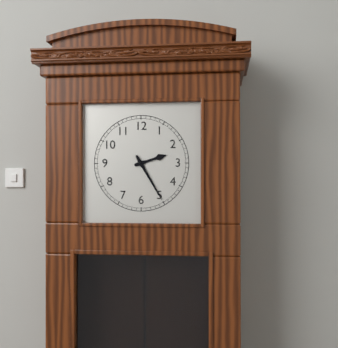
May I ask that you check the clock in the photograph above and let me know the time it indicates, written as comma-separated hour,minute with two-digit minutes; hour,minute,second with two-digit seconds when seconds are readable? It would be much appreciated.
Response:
2,25
